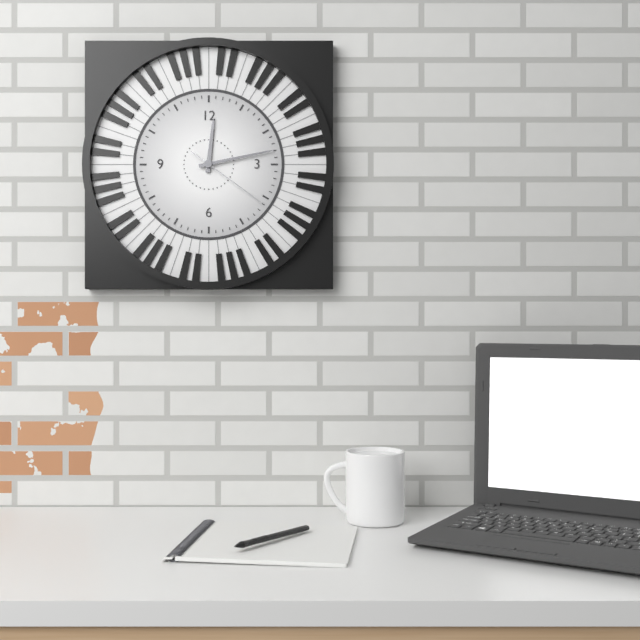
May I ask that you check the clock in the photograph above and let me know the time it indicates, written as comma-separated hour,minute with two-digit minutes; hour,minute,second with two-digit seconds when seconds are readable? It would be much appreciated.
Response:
12,13,21
